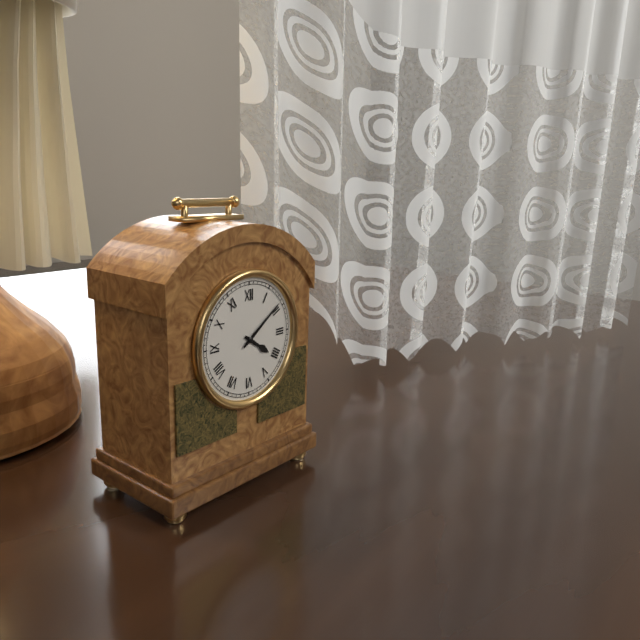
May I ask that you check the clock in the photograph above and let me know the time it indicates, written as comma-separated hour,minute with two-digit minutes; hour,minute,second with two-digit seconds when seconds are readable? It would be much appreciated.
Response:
4,09
